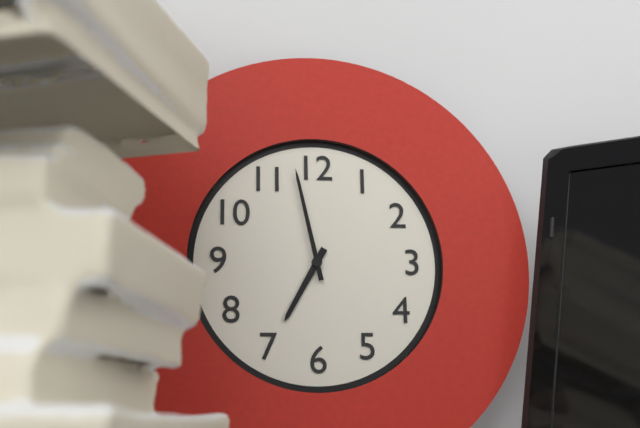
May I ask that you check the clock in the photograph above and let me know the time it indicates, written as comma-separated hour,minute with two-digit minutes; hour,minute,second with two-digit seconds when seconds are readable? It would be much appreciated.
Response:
6,58
